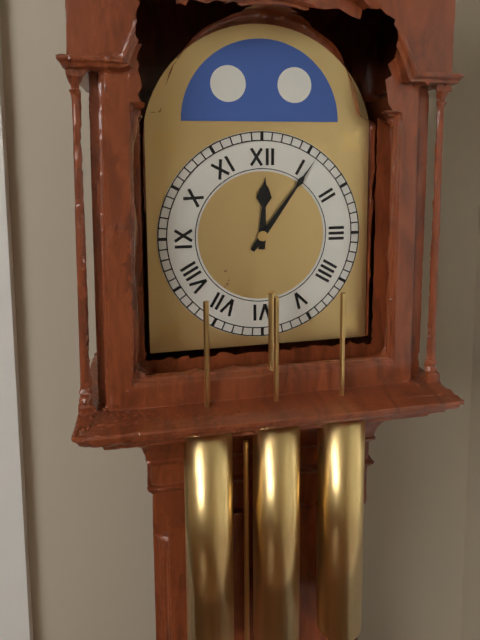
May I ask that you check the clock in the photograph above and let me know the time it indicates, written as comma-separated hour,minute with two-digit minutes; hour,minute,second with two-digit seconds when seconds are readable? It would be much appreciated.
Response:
12,06
